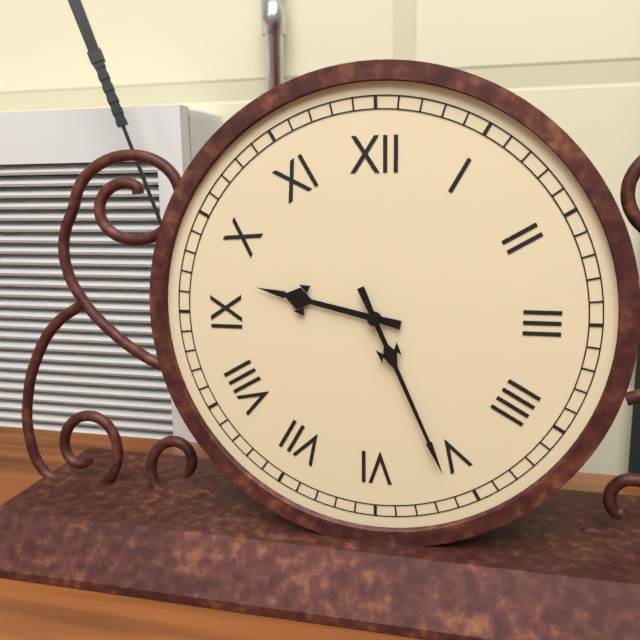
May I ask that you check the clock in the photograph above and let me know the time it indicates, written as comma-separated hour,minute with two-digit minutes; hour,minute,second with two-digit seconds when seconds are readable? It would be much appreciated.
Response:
9,26
